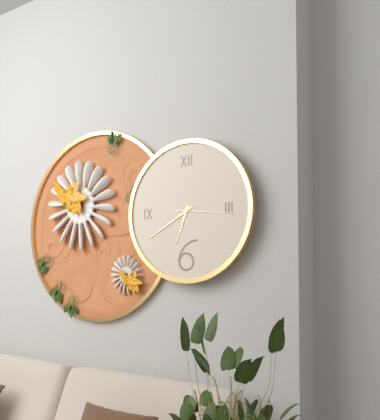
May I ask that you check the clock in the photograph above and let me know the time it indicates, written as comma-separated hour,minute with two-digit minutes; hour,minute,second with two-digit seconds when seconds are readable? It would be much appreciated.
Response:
6,40,16
